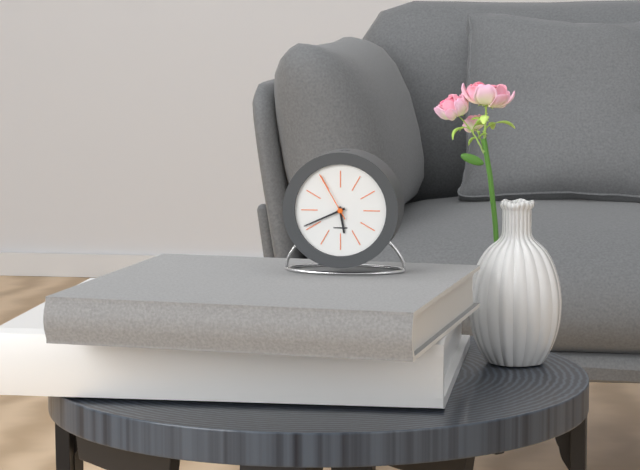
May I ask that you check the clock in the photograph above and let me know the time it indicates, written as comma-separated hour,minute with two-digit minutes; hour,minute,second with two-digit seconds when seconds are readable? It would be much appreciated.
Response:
5,41,55
